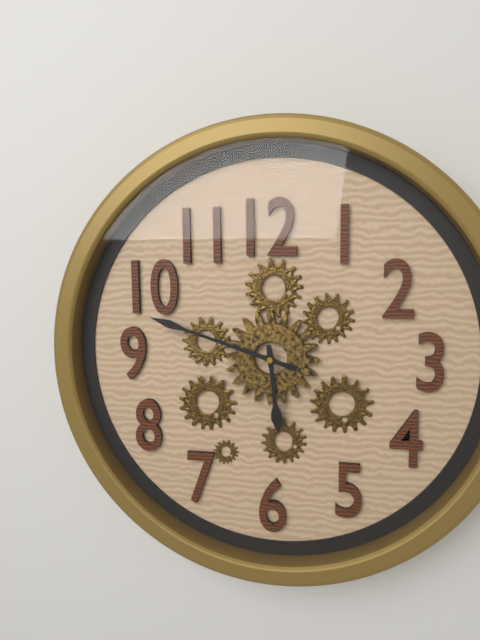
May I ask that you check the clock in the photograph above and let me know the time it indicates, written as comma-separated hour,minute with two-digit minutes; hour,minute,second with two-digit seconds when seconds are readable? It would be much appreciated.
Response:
5,48
